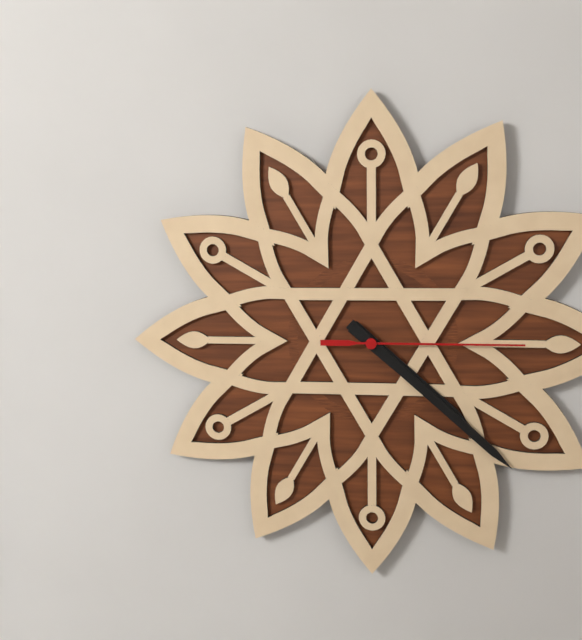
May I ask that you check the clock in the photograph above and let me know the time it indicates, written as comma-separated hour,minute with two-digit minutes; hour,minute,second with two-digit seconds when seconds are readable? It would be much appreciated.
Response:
4,22,15
